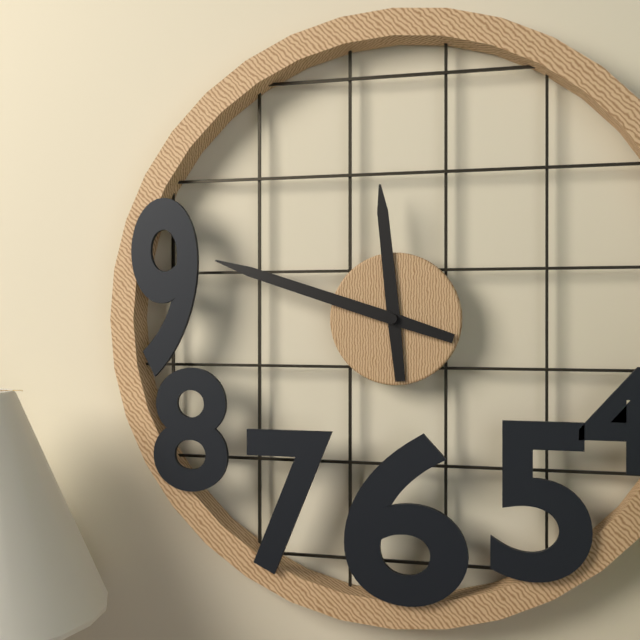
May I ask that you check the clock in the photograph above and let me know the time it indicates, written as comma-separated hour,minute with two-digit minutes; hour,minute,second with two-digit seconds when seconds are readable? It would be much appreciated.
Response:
11,48
